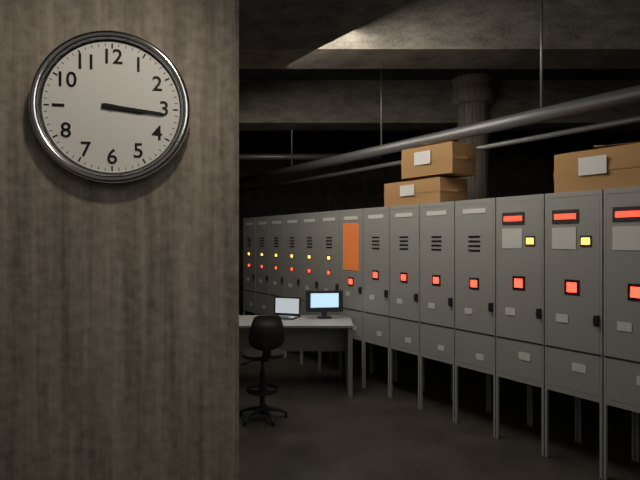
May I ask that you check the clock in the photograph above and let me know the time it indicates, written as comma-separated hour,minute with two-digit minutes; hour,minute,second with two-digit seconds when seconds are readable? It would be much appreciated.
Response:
3,16
